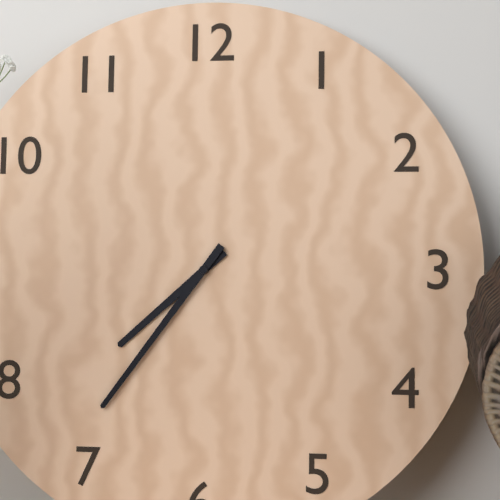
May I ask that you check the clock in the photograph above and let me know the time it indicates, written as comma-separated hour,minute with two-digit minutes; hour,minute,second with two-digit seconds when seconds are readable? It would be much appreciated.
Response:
7,36
